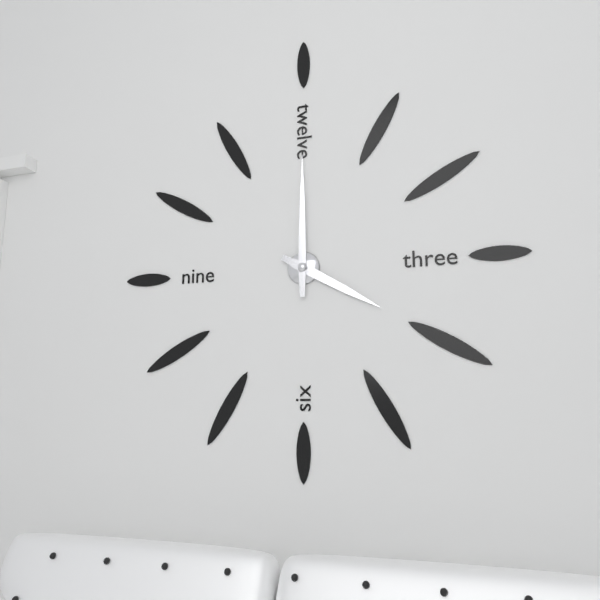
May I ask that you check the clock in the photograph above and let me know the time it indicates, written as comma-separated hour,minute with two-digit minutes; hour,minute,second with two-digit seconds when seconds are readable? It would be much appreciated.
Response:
4,00
